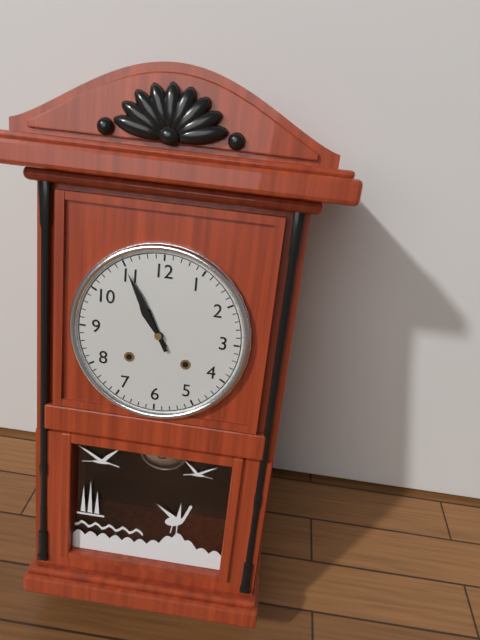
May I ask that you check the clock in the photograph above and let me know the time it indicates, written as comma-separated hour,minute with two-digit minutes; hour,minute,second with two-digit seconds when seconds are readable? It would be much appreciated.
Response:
10,55
